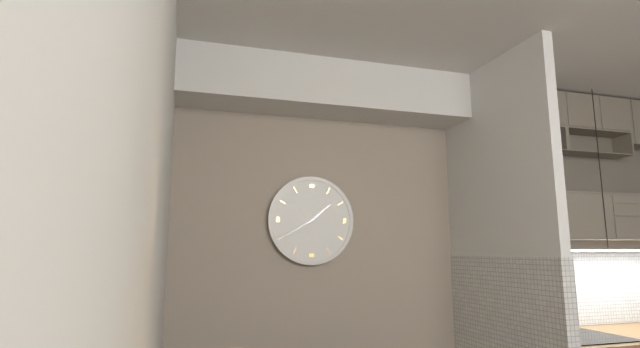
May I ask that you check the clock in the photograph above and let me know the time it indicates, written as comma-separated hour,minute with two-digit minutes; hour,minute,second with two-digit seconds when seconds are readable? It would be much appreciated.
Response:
1,40
